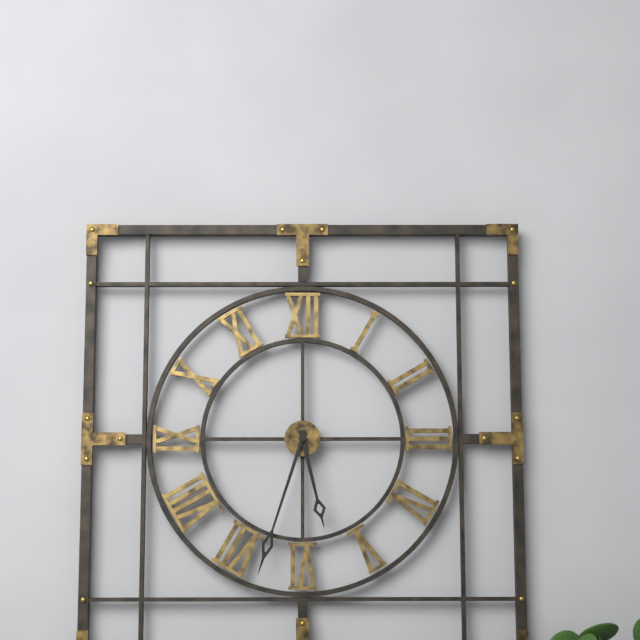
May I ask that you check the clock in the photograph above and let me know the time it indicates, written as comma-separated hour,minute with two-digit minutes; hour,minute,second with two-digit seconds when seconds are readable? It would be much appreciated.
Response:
5,33
